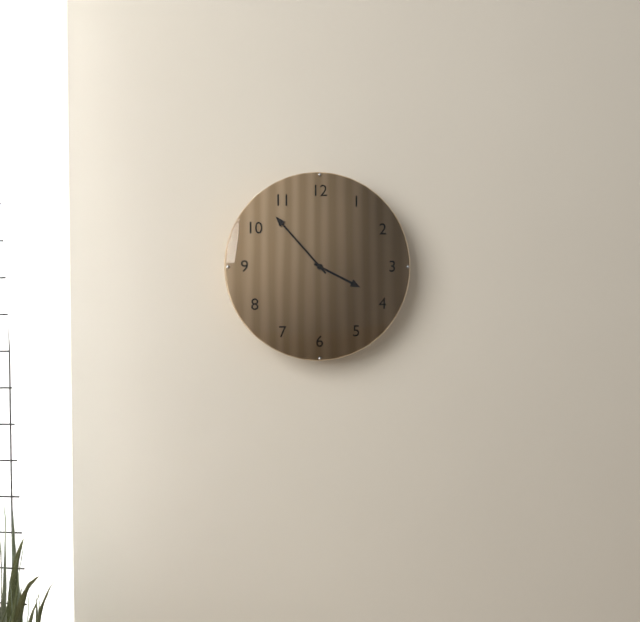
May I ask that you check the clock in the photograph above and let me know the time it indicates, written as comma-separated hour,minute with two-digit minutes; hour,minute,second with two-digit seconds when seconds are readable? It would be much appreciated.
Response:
3,53
